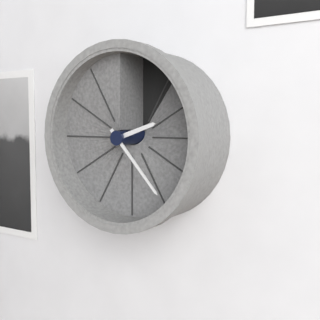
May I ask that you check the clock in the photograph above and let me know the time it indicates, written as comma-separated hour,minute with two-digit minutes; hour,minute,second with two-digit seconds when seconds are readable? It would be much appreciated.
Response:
2,23
